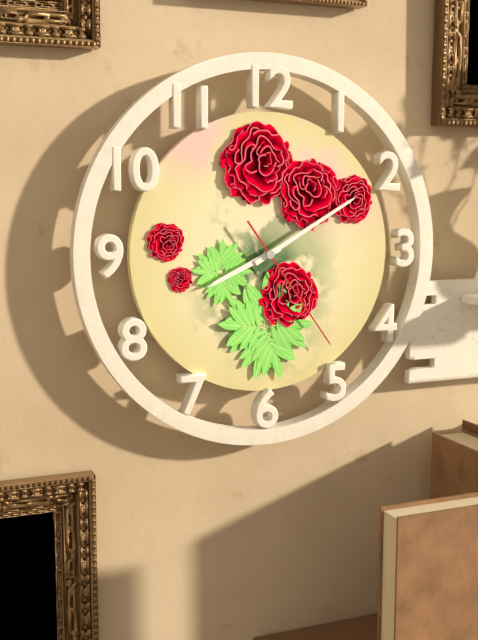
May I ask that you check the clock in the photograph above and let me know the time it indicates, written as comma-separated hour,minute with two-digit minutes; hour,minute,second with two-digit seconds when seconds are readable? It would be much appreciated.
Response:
8,10,24
